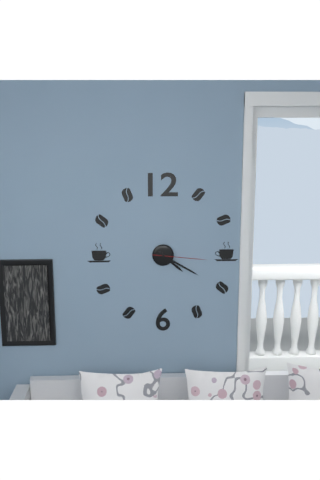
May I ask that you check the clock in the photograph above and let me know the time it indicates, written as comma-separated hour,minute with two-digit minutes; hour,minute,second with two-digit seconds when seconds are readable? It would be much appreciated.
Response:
4,20,16
